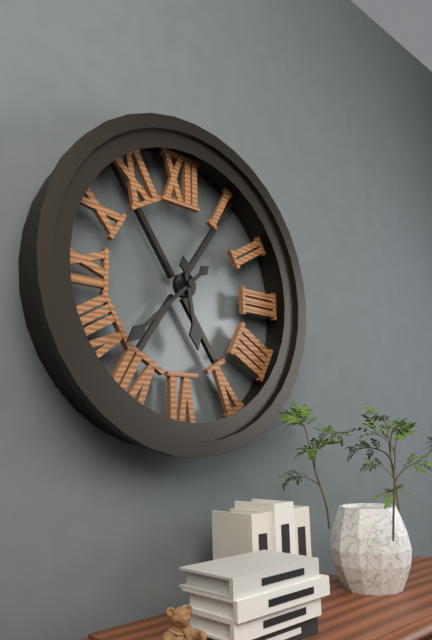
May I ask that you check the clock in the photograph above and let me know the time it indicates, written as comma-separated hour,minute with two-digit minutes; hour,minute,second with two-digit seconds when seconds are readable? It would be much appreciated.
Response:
5,38
